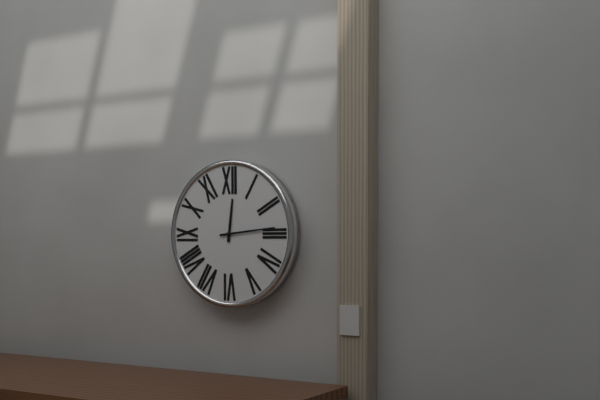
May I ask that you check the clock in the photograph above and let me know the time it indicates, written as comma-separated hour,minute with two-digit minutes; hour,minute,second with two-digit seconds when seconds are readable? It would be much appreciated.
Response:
12,14
